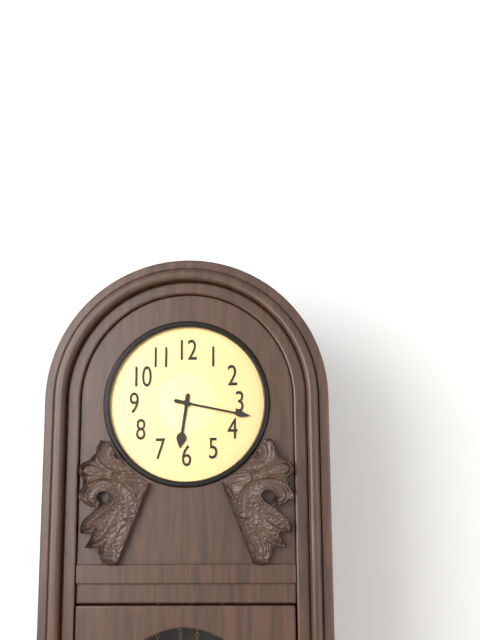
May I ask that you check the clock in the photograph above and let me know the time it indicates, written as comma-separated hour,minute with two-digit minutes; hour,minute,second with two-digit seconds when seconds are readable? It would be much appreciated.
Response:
6,17
